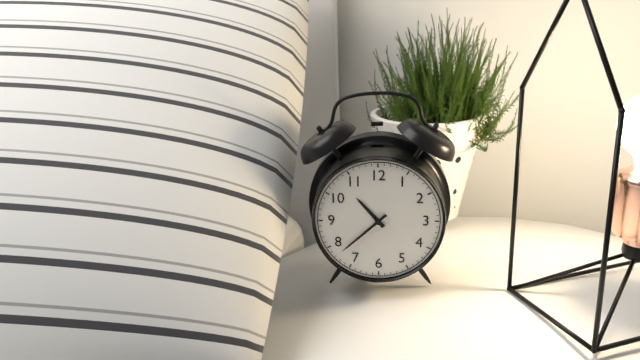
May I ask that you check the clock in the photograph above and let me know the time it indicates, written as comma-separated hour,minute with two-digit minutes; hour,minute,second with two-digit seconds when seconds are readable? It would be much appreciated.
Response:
10,38
